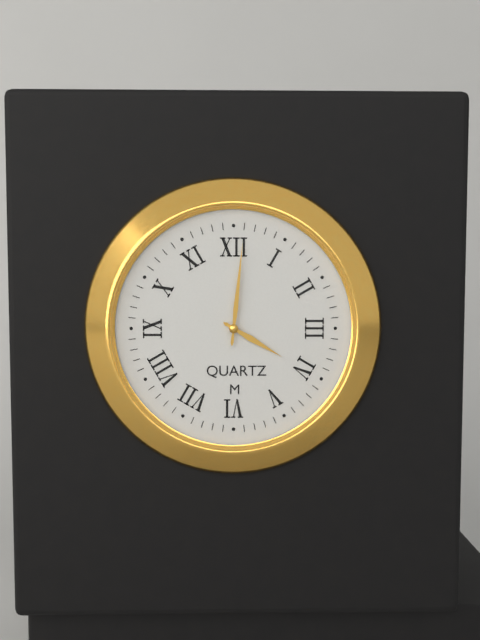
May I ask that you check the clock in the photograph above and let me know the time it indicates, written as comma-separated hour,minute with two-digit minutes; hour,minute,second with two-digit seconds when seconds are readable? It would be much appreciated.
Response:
4,01
